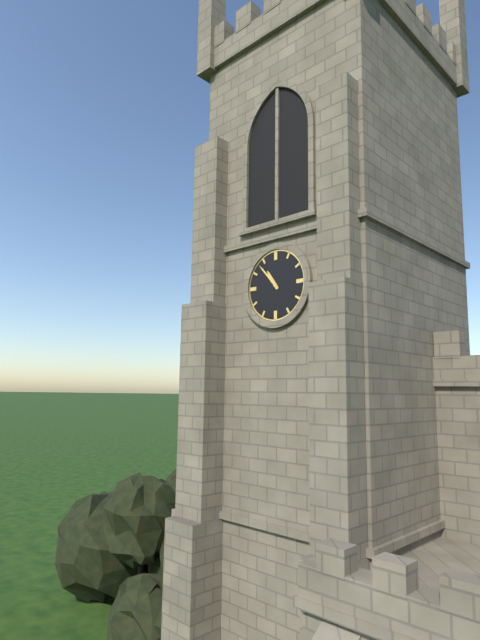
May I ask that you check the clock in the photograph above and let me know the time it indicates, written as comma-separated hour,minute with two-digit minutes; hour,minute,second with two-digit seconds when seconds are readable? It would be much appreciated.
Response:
10,53
